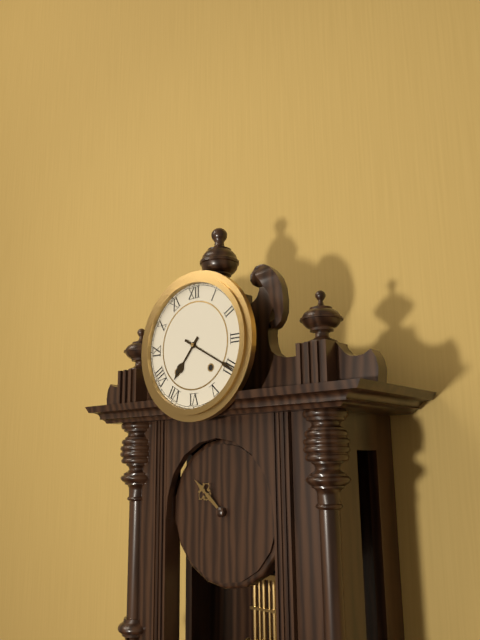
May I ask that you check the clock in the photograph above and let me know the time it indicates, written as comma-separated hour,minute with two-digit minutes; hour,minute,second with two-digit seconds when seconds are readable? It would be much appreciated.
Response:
7,20
